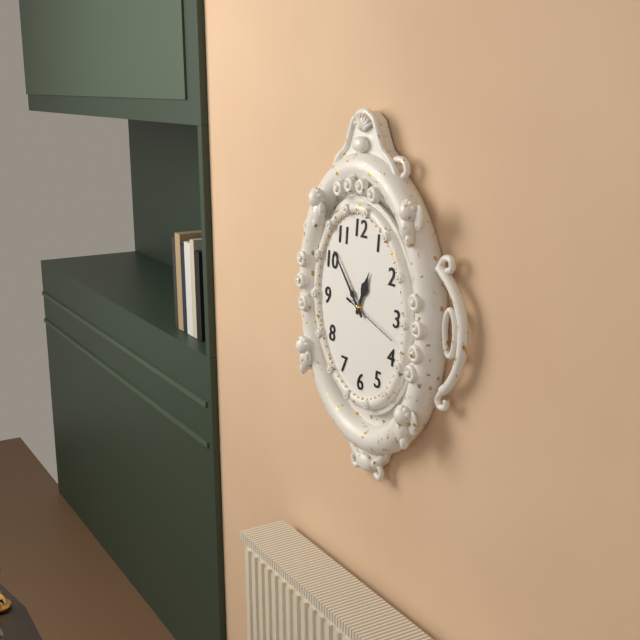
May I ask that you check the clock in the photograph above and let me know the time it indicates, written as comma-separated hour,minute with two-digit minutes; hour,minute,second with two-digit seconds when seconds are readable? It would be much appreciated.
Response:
12,53,18
